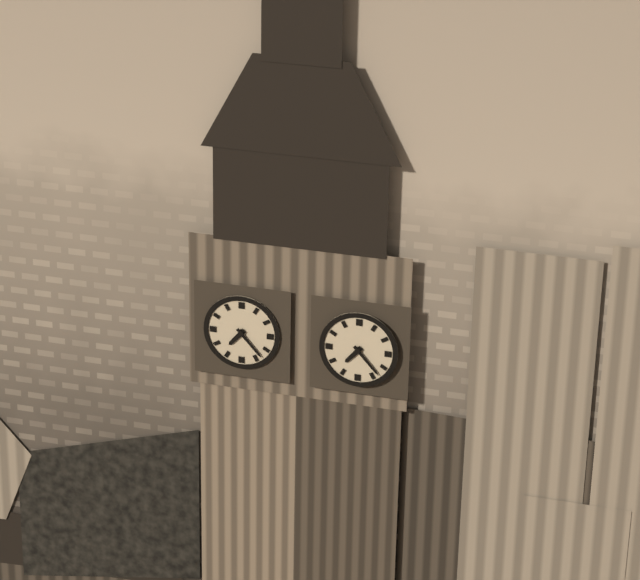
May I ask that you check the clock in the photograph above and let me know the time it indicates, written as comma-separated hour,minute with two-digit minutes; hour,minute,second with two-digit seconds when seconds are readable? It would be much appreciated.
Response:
7,23
